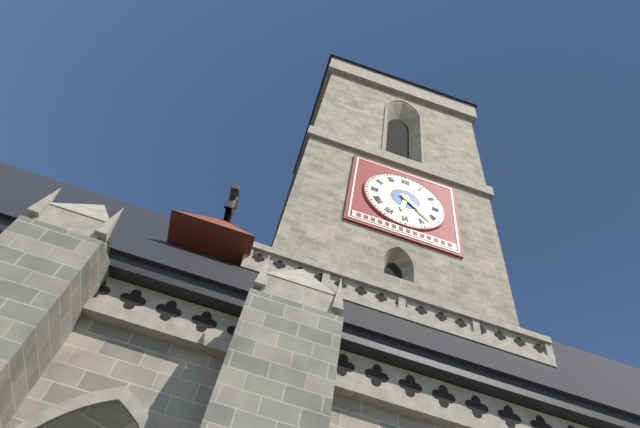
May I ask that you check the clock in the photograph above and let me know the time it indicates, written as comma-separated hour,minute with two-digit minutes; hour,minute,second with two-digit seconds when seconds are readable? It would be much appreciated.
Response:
6,22
